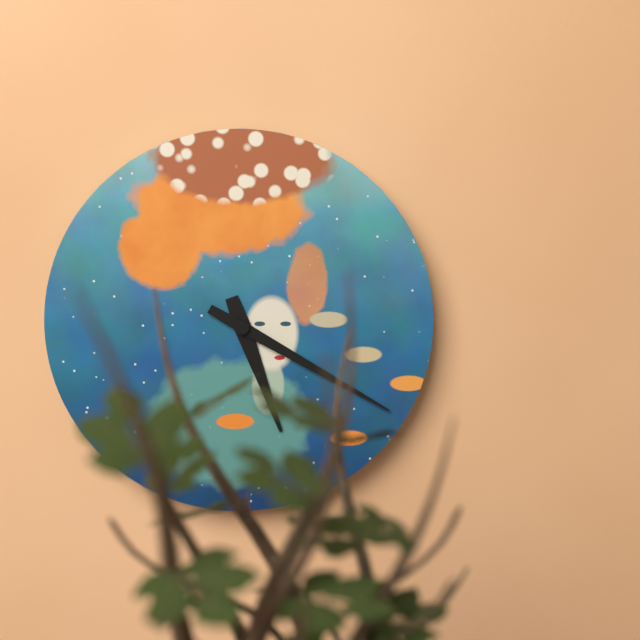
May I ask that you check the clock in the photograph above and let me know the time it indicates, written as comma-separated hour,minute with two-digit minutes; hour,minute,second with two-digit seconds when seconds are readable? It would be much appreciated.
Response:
5,20
